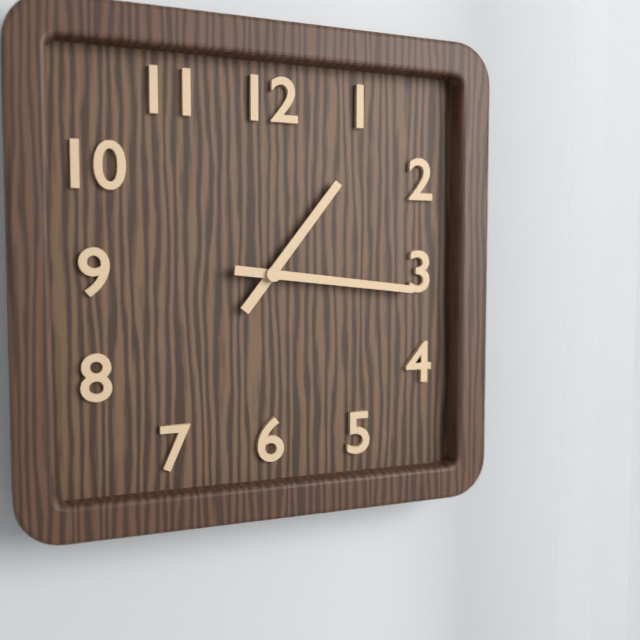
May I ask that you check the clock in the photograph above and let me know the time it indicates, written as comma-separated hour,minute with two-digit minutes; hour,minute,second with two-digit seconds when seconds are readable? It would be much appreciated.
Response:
1,16
